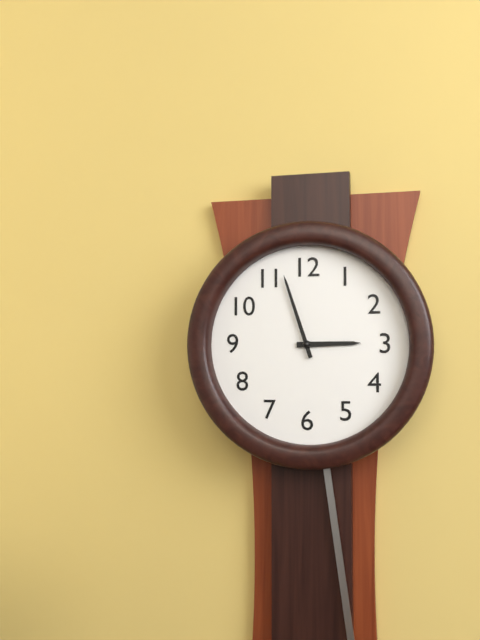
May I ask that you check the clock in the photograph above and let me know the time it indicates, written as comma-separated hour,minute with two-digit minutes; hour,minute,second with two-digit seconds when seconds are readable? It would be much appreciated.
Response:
2,57
